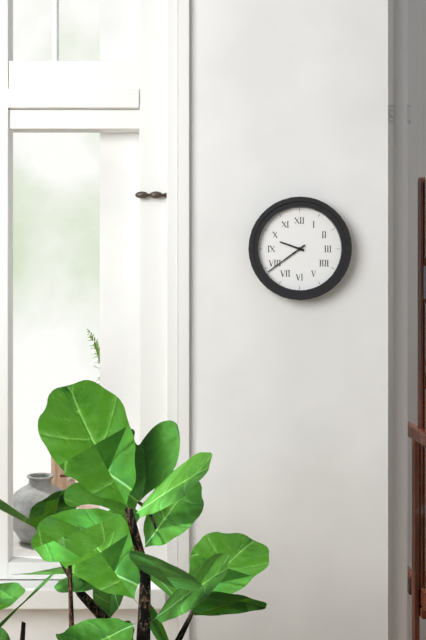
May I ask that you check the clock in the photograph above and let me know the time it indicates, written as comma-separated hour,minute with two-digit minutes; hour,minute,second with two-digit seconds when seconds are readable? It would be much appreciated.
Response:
9,39
